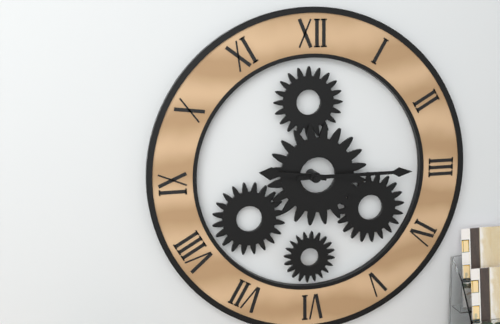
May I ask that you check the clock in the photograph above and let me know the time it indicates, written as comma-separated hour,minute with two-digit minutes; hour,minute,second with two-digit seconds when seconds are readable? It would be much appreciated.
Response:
9,15
